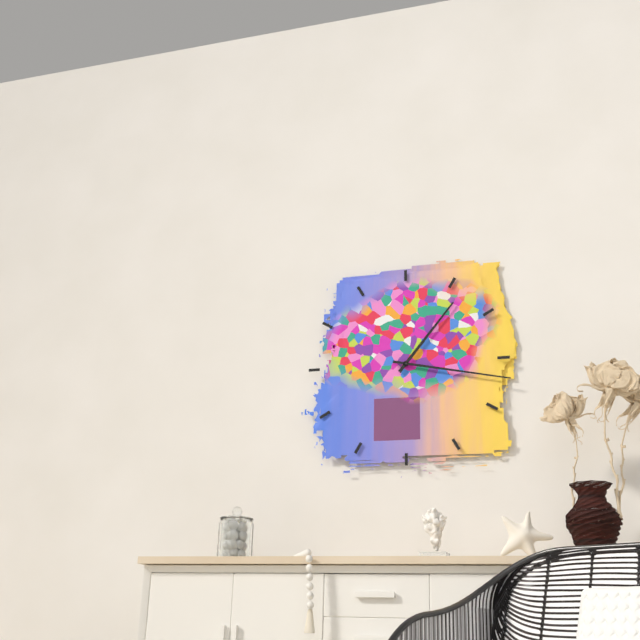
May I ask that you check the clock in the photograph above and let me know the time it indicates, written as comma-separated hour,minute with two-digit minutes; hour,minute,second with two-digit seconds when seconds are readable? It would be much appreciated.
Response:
1,17
